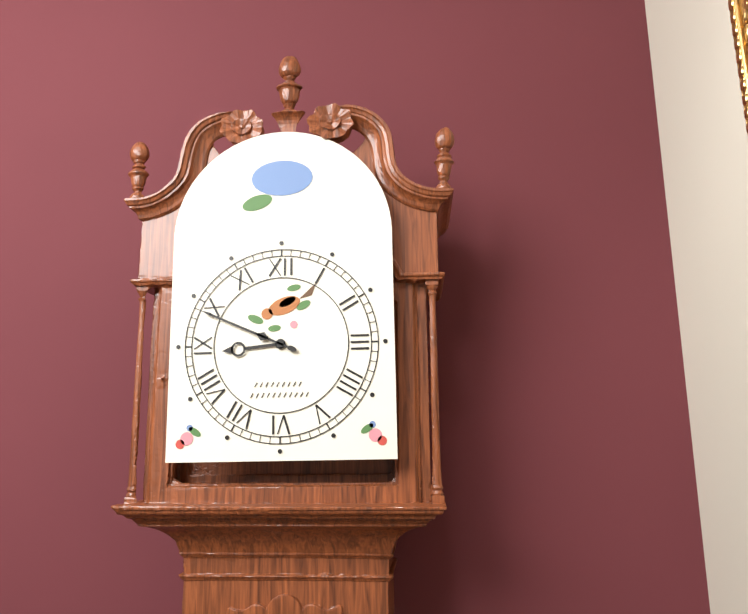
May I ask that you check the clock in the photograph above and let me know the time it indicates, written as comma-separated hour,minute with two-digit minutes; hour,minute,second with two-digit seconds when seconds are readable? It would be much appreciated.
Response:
8,49
